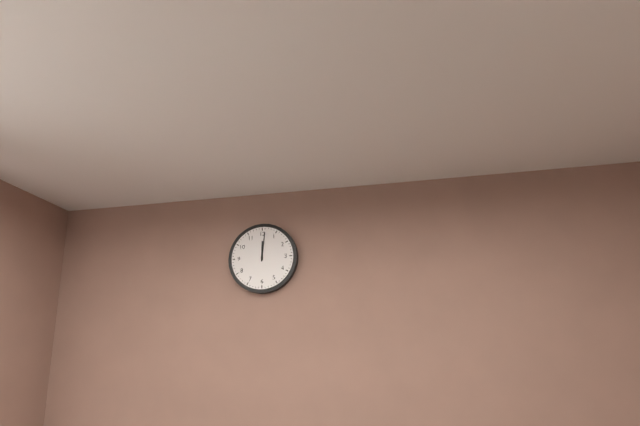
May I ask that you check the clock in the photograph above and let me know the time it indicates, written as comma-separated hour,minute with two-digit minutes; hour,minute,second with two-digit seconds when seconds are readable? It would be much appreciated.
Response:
12,01
